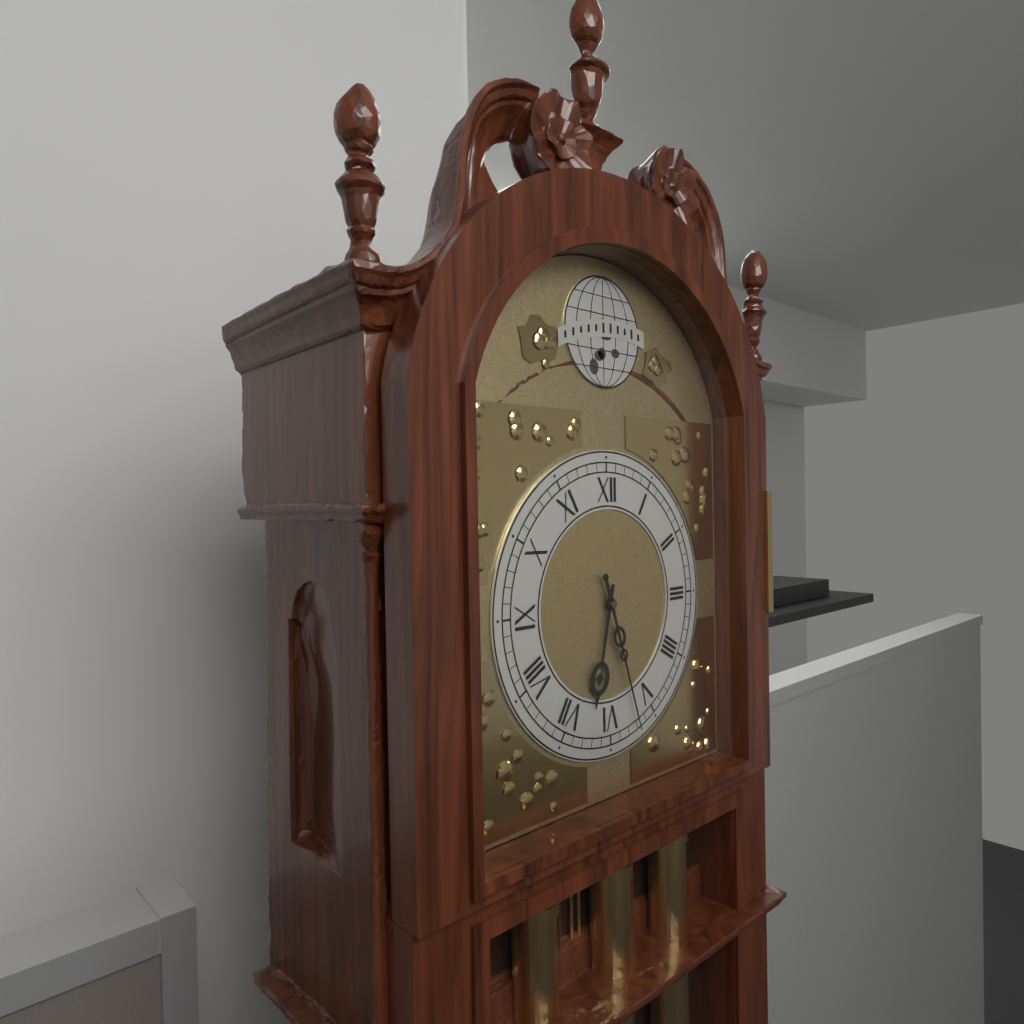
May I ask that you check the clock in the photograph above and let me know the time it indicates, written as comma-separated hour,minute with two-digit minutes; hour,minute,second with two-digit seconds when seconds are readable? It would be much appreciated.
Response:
6,27
